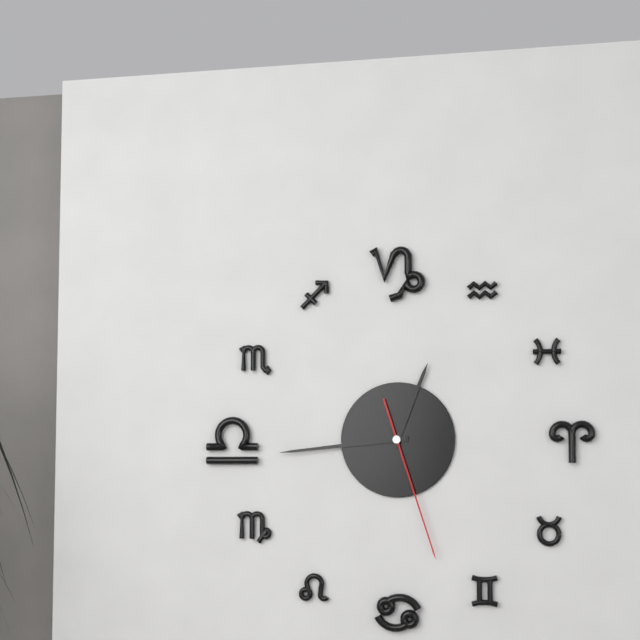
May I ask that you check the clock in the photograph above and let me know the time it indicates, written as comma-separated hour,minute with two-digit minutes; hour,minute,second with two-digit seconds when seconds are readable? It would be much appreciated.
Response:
12,44,27
